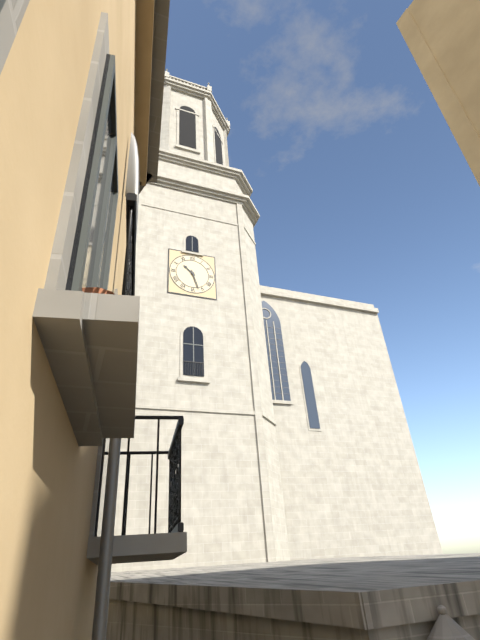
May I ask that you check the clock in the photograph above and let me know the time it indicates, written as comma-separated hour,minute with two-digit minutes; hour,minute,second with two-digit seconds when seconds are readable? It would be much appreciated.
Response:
10,27
